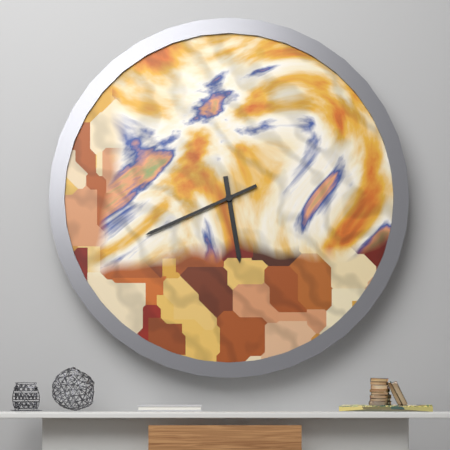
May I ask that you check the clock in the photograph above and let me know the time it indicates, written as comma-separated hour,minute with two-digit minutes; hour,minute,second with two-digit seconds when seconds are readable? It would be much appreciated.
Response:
5,41
